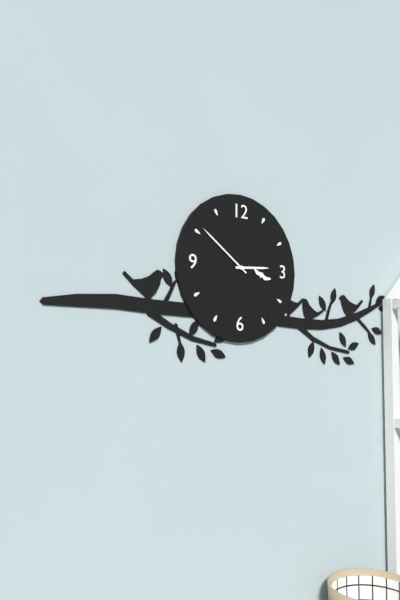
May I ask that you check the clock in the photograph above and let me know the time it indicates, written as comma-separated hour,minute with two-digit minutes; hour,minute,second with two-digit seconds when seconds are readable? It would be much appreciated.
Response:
2,51
